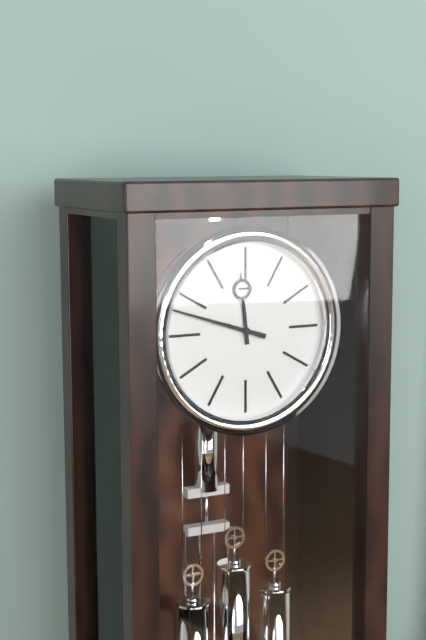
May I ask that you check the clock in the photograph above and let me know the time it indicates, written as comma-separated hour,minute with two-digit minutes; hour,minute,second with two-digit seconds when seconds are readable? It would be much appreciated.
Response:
11,48
